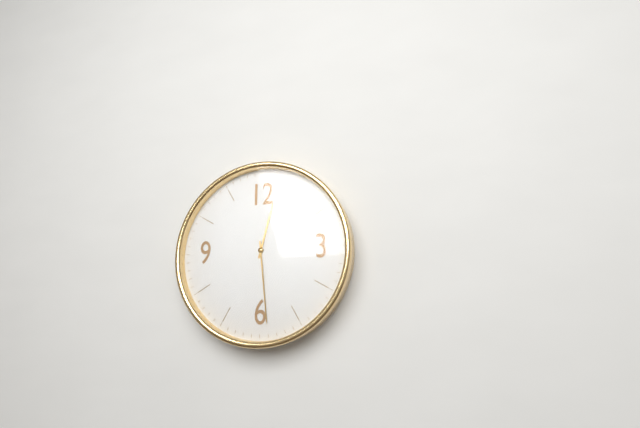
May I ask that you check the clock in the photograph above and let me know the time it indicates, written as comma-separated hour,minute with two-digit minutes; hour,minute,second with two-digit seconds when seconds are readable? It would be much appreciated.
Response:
12,29
